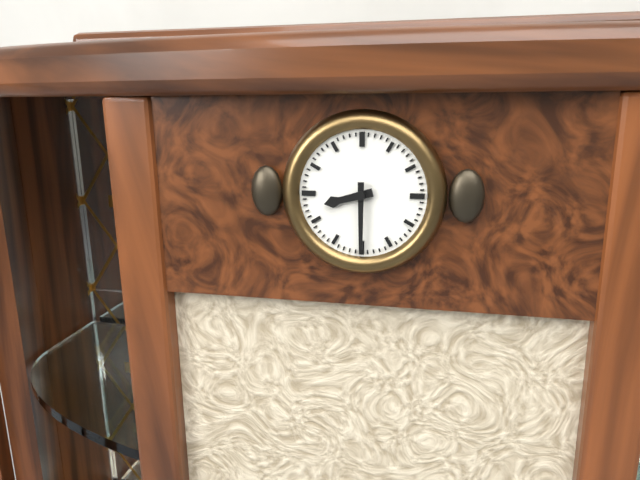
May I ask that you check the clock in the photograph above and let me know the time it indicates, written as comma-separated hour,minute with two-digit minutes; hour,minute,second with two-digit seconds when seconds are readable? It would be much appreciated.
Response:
8,30
